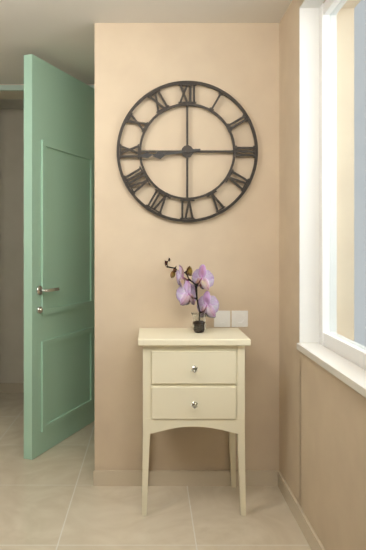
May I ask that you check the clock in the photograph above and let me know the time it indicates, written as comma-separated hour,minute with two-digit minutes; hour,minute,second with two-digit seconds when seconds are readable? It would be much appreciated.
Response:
8,44
